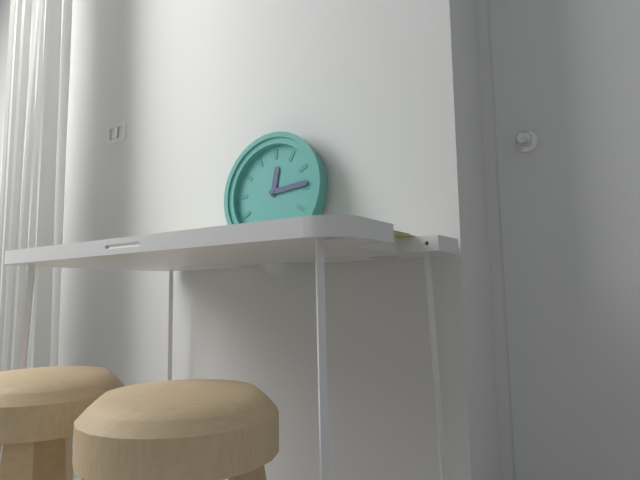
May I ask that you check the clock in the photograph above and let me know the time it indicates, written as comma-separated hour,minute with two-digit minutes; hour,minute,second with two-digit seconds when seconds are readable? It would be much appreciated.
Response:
12,14
